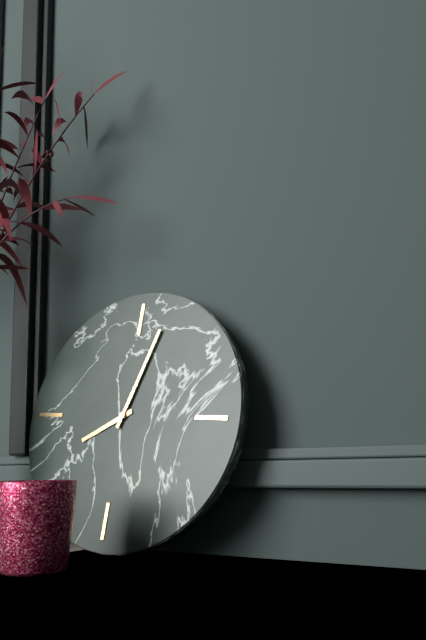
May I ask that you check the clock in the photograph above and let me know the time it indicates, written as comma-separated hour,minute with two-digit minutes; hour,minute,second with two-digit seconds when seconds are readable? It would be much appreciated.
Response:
8,03
